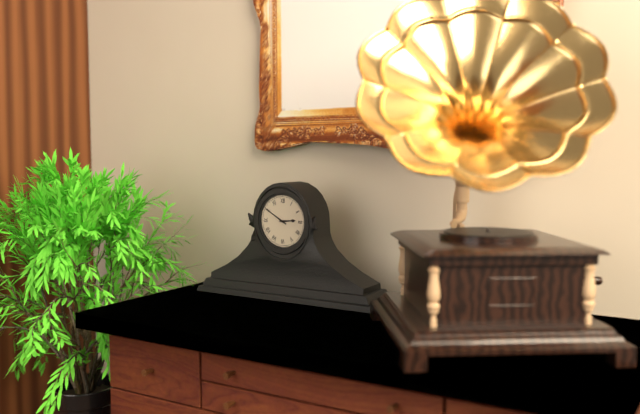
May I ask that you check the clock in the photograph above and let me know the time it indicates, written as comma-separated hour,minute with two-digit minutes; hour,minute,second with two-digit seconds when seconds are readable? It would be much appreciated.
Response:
2,50
